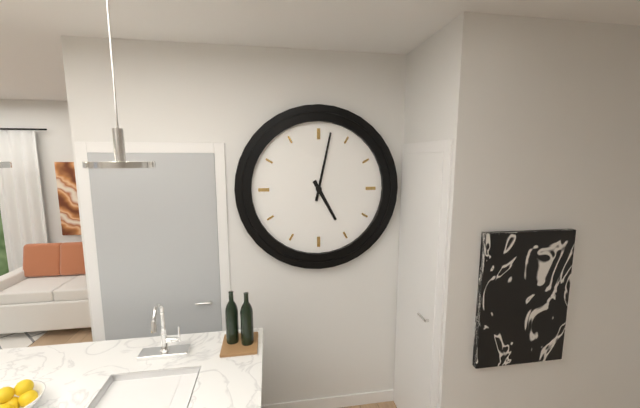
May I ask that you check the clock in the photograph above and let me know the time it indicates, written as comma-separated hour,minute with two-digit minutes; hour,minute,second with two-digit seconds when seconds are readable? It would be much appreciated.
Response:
5,02
